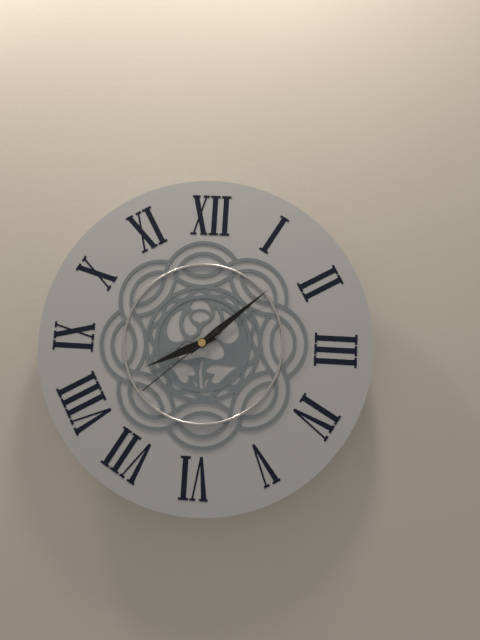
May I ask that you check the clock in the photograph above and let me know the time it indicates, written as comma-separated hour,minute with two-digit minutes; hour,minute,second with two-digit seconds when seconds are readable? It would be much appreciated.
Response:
8,08,38
